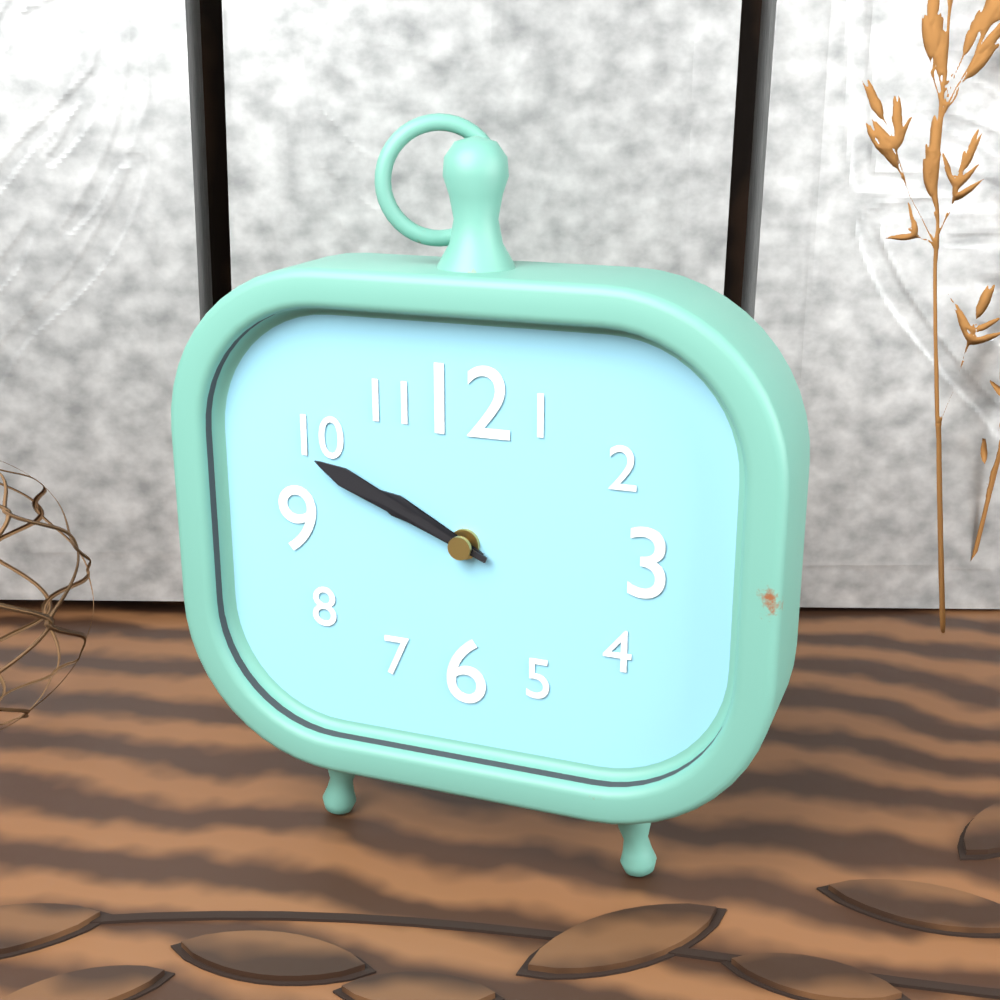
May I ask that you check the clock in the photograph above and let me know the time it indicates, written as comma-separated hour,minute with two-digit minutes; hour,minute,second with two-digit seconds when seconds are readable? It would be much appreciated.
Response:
9,49
